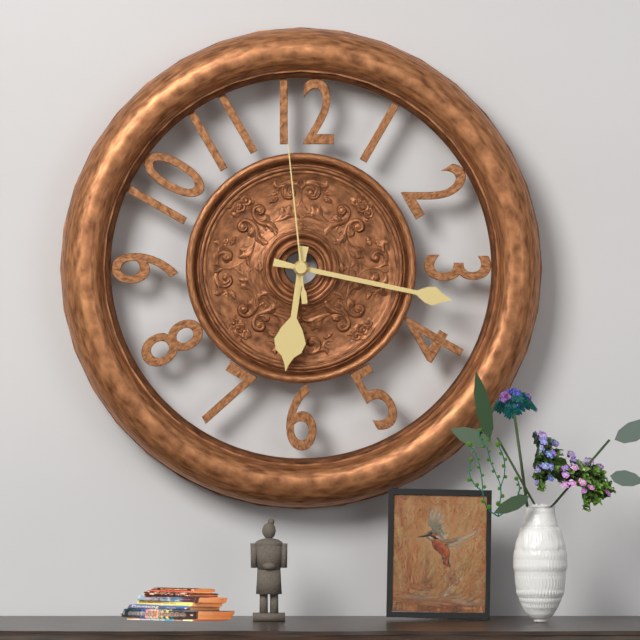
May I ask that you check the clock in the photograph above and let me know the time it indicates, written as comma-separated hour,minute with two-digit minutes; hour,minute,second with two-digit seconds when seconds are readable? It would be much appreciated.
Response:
6,17,59
